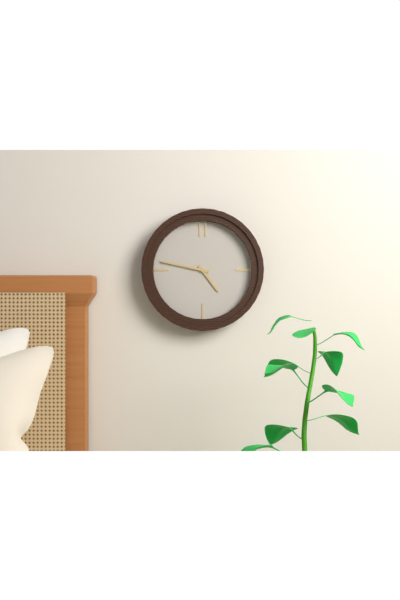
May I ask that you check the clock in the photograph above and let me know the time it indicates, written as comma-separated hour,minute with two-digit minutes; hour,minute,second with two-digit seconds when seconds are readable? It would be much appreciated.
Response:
4,47
